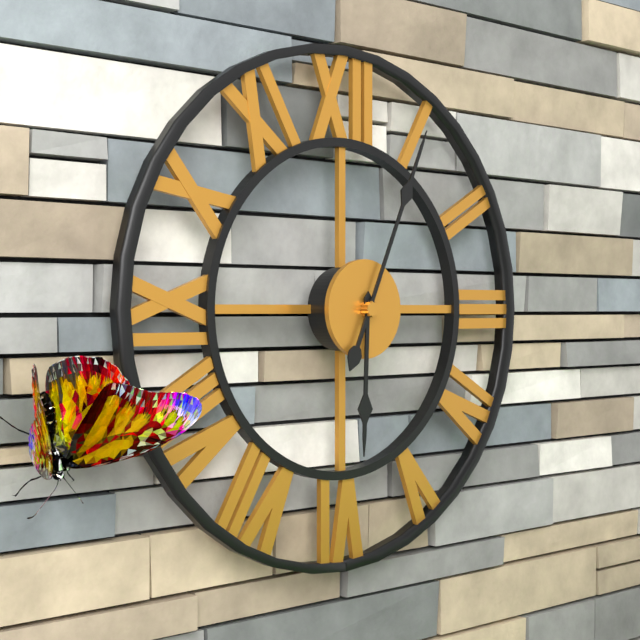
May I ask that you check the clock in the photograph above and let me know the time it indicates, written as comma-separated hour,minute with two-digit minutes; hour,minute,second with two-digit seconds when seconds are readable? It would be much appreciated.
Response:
6,04
